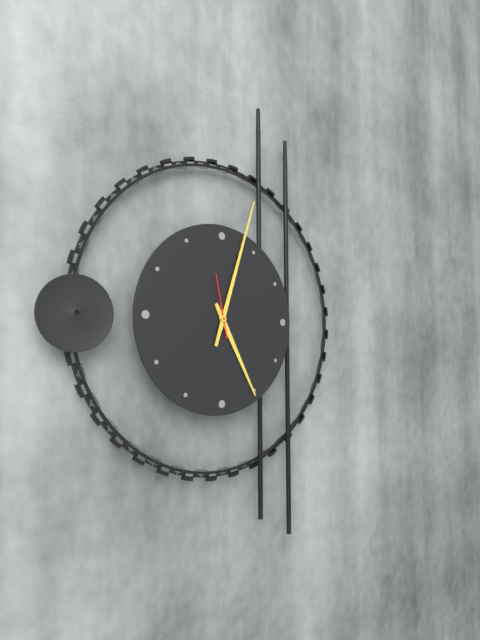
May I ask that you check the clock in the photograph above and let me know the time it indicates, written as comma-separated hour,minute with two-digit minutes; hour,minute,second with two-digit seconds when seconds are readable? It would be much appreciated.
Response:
5,03,58
